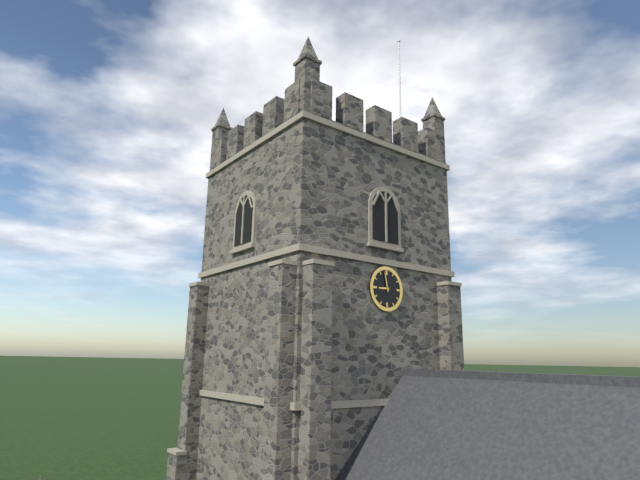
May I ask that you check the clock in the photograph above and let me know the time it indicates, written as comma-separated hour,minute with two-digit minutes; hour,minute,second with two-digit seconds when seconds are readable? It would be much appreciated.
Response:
8,58
